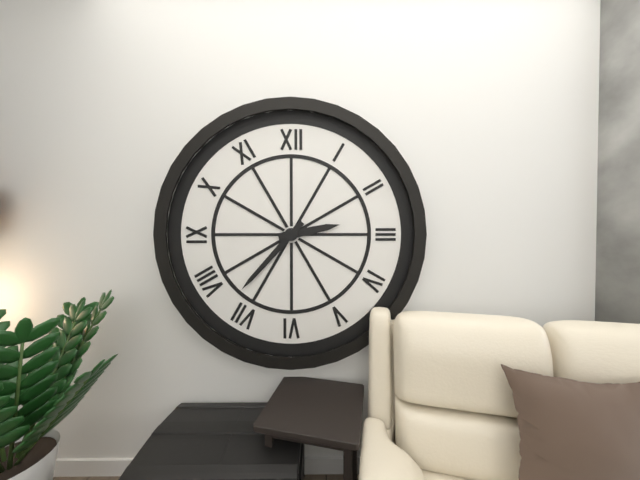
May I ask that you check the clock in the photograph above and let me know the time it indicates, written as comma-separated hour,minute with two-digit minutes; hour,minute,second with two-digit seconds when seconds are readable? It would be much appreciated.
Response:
2,37
